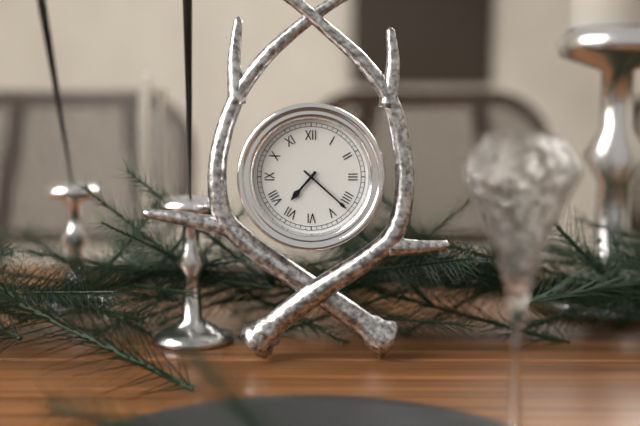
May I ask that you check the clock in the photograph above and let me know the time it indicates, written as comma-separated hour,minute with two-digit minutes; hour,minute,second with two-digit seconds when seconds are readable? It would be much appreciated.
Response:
7,22
